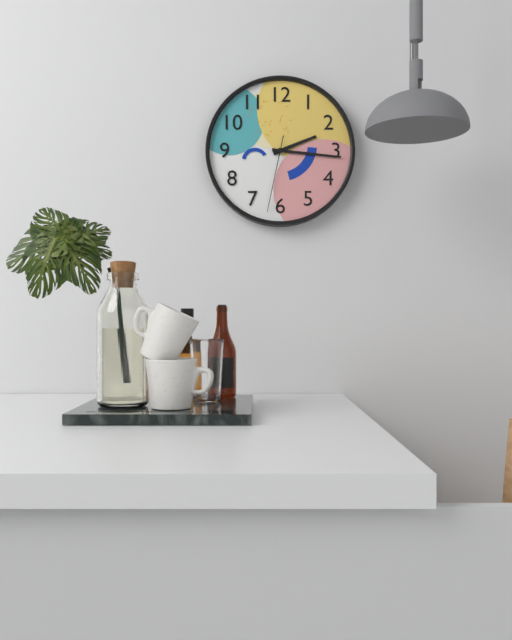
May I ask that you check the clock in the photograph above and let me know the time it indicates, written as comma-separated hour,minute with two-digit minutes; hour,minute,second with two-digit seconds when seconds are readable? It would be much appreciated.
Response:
2,16,32
